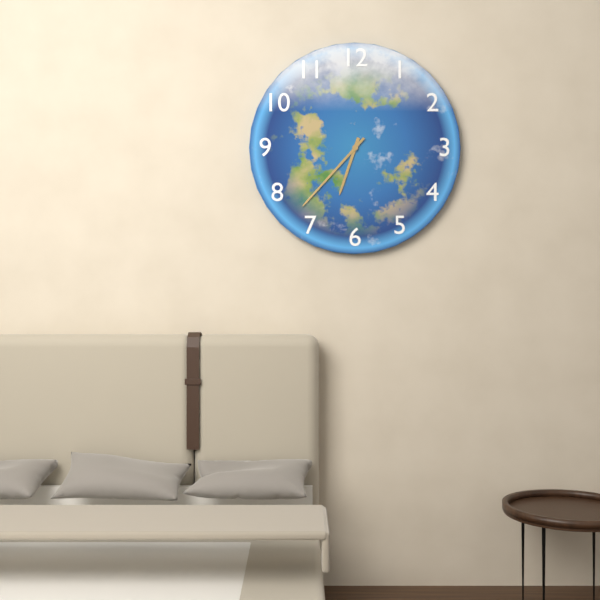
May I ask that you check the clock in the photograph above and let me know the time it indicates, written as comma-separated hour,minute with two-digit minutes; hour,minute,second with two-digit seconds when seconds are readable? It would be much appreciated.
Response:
6,37
